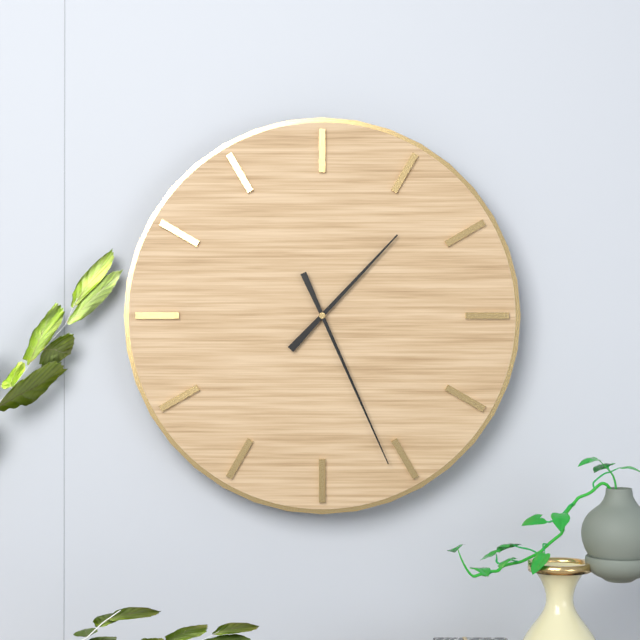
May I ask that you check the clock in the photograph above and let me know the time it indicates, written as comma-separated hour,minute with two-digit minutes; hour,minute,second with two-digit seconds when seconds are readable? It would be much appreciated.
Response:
1,26
